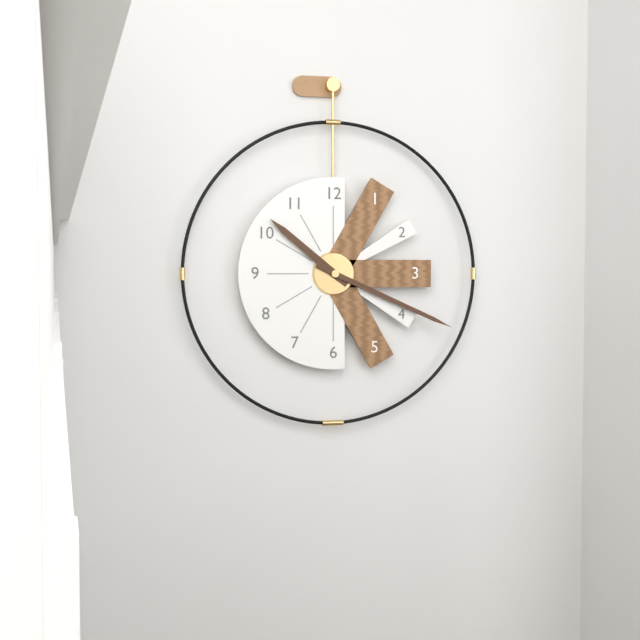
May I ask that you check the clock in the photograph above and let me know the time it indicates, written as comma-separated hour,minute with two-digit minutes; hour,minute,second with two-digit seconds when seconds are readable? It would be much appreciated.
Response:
10,19
